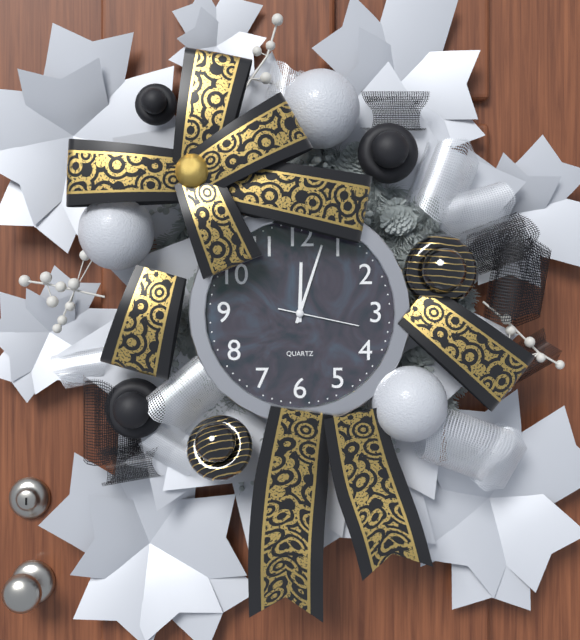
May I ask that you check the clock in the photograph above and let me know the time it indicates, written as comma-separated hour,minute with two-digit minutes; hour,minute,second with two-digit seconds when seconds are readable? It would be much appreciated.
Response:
12,03,17
